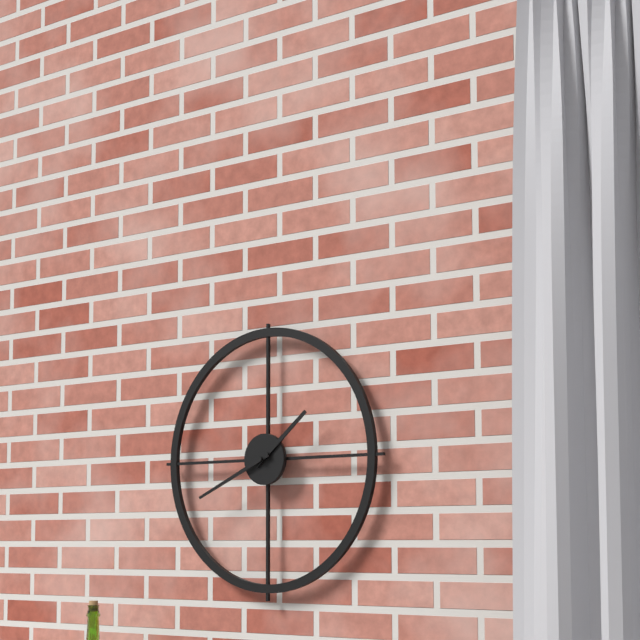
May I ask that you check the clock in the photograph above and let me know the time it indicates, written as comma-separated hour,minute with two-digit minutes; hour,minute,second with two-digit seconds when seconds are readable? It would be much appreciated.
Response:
1,41
